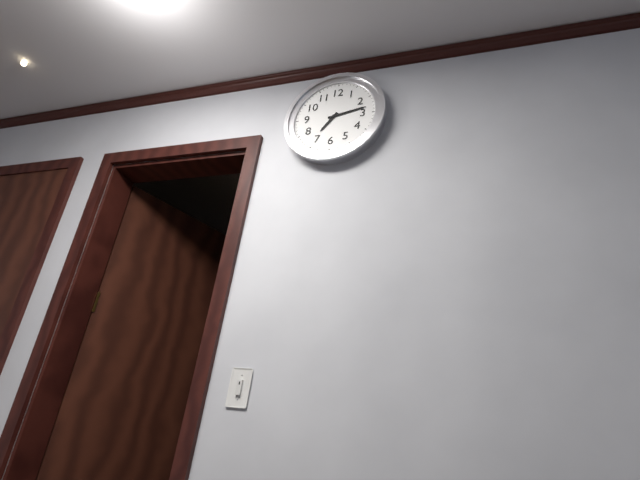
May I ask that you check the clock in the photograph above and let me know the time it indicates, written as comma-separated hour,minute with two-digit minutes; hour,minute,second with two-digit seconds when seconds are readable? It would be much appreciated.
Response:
7,13
